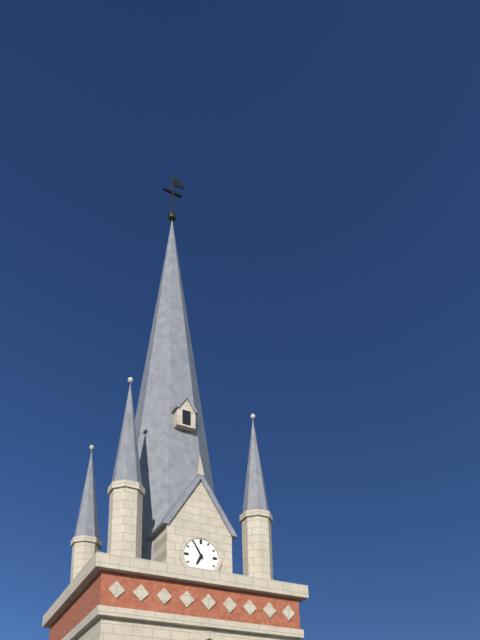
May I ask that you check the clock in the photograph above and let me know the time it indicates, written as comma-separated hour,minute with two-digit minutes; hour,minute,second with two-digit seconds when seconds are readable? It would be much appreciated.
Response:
6,55
